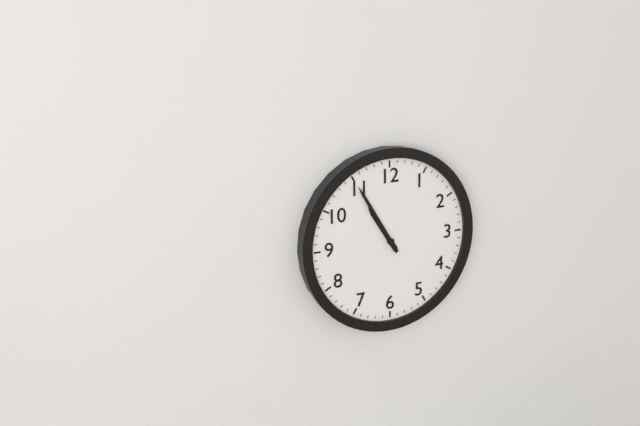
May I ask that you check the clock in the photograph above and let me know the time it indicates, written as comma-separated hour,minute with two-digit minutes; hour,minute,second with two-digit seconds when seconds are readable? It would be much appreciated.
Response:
10,55
